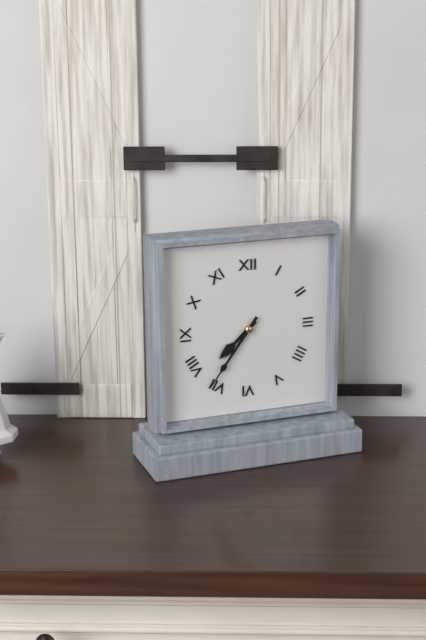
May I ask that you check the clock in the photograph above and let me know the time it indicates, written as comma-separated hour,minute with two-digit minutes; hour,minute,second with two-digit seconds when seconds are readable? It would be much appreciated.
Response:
7,36
